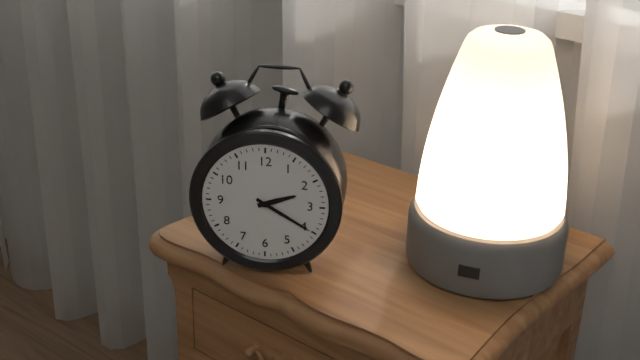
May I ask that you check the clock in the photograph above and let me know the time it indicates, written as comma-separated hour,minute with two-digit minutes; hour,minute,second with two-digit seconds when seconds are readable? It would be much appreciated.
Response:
2,20
